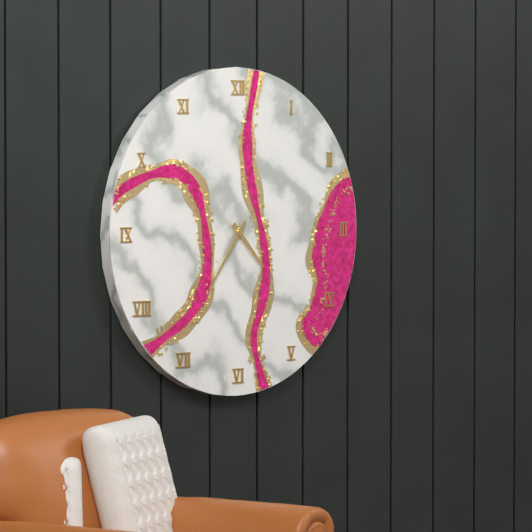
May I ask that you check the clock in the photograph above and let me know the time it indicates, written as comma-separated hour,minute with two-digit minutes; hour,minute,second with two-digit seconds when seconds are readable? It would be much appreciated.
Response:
4,36
